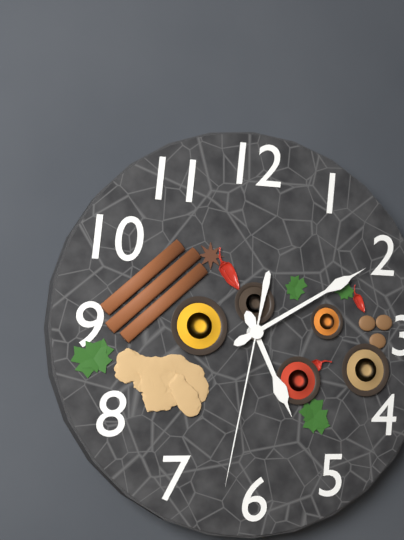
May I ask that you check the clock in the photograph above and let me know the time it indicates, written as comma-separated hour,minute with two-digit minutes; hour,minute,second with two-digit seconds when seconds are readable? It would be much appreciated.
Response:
5,10,32
